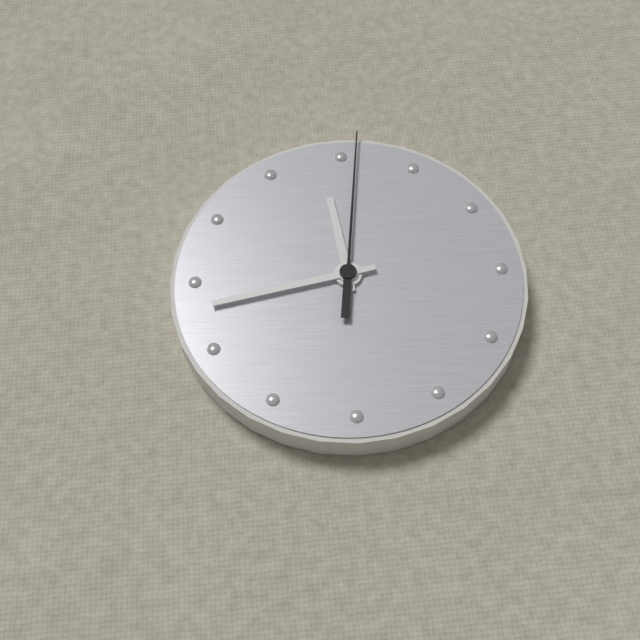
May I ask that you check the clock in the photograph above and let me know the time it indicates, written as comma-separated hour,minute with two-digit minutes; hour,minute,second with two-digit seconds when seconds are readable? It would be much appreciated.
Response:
11,43,01
